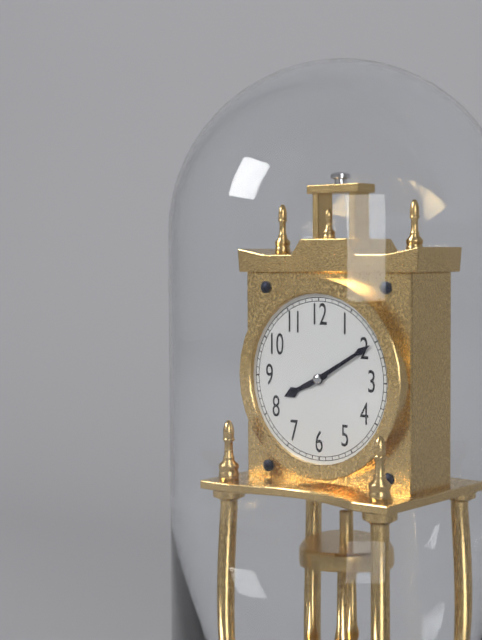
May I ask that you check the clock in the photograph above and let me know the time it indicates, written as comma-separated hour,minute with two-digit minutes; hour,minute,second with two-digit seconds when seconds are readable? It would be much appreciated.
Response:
8,10
